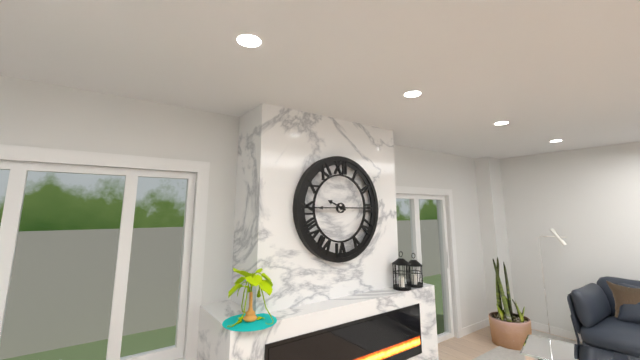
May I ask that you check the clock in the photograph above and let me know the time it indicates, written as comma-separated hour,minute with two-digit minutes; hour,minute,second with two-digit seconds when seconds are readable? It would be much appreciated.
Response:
9,45
